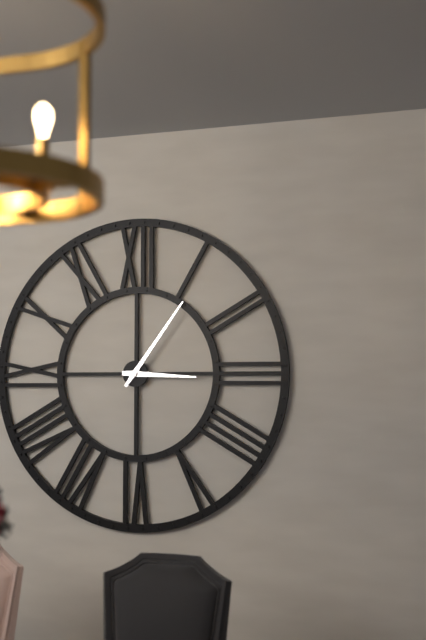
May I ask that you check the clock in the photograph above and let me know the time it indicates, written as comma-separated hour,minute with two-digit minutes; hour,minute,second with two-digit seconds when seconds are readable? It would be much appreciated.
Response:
3,06
